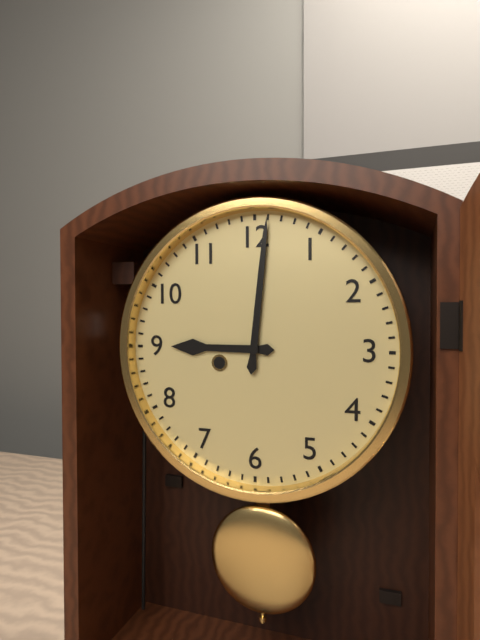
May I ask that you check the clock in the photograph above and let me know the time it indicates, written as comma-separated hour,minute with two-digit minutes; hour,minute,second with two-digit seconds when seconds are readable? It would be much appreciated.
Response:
9,01
